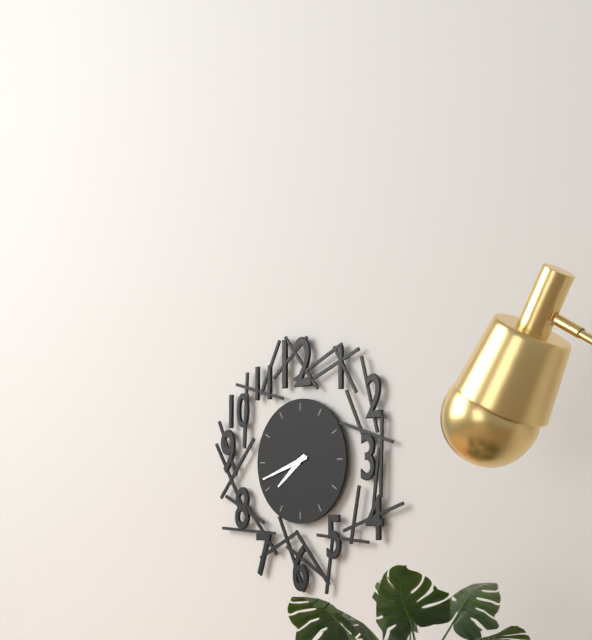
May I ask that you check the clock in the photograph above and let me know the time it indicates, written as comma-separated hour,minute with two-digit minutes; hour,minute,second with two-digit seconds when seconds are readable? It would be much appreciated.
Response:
7,42
